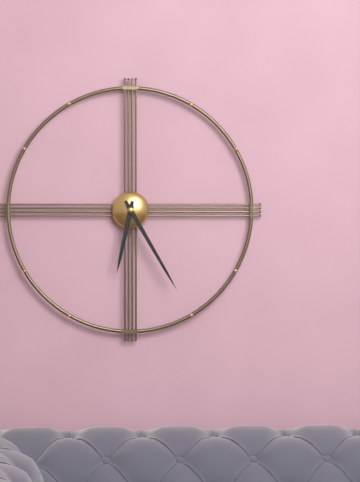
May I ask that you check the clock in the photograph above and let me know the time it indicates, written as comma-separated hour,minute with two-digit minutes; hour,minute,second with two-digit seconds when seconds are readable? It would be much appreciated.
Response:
6,25
